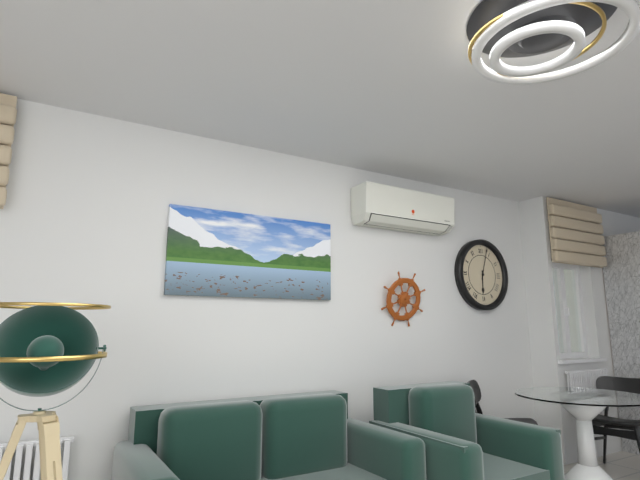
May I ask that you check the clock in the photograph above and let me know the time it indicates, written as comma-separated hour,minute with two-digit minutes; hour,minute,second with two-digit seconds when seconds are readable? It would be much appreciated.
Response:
6,03
